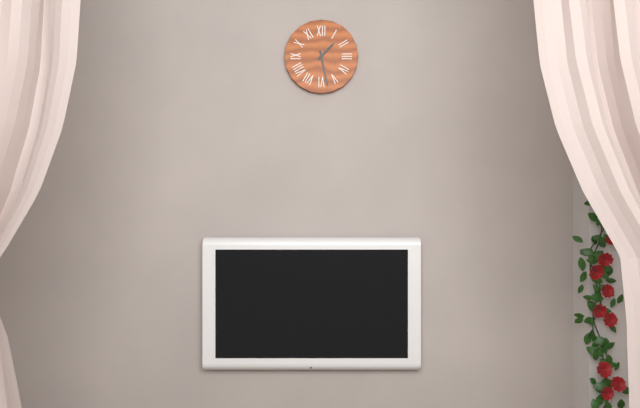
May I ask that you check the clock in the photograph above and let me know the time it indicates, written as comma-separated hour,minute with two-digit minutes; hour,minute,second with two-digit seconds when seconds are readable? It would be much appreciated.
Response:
1,28
